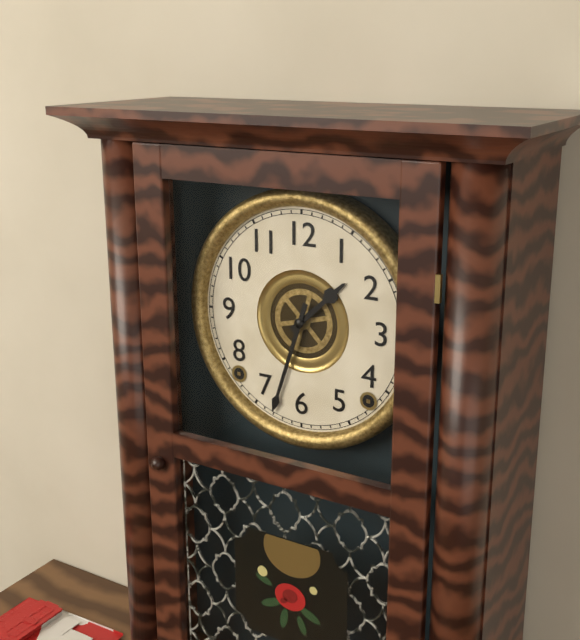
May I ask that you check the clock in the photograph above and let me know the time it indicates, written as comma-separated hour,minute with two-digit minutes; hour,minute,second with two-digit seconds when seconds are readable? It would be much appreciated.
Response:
1,33
